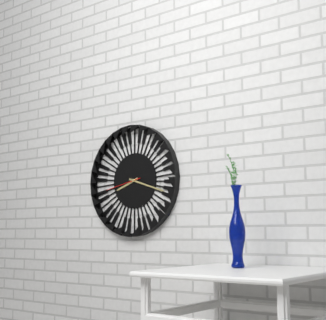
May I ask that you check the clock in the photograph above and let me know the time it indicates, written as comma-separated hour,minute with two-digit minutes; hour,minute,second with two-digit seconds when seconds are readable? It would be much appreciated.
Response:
8,18
